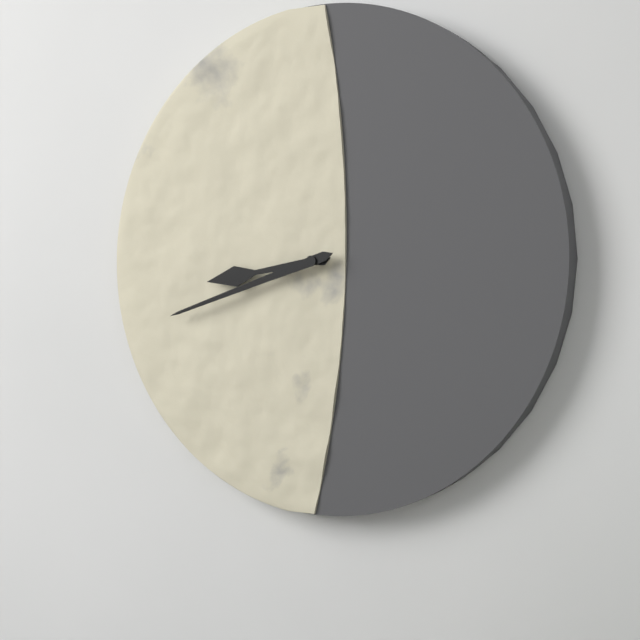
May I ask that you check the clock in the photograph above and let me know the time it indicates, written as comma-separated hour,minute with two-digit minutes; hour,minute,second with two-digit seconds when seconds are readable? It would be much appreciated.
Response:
8,42
